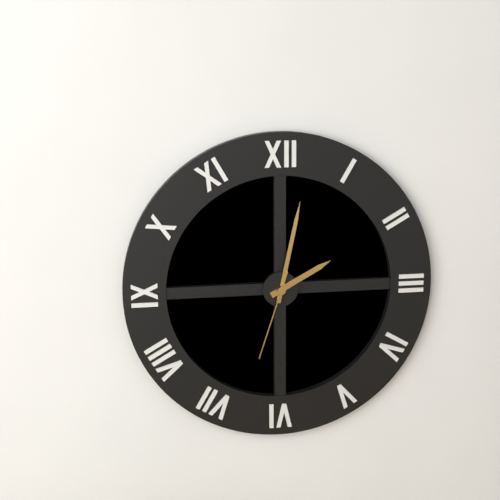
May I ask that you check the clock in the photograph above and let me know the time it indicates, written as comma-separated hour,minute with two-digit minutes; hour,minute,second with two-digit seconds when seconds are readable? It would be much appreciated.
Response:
2,02,33
